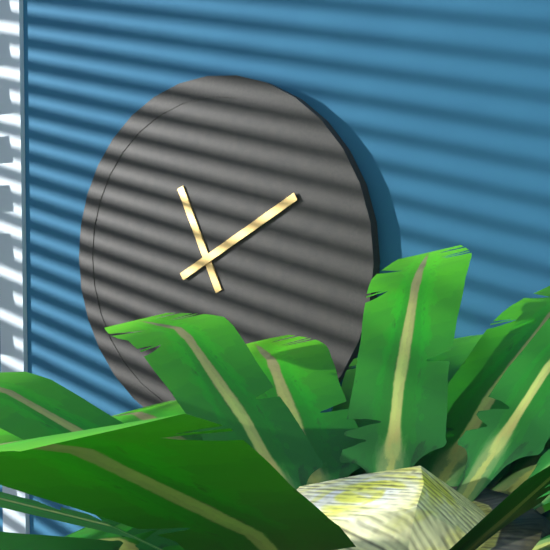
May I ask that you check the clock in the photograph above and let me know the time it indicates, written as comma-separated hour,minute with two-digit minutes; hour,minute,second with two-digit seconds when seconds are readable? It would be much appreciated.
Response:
11,10
